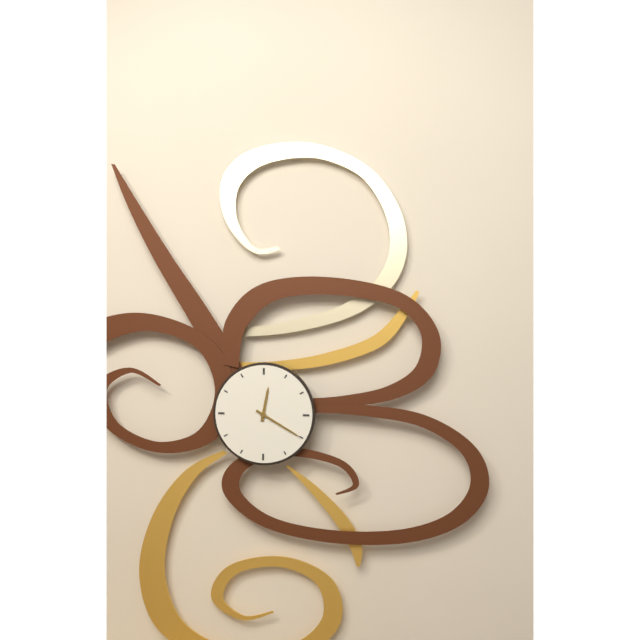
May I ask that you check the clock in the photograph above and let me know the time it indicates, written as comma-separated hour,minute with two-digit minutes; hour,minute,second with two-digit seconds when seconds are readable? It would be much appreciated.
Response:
12,20
